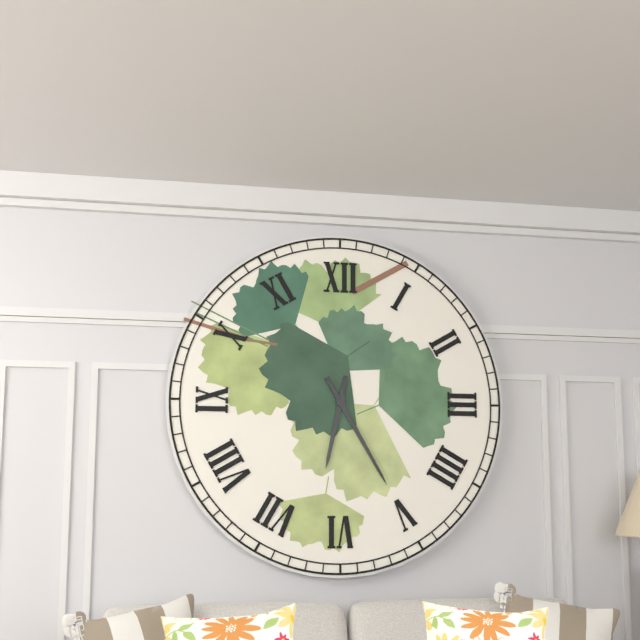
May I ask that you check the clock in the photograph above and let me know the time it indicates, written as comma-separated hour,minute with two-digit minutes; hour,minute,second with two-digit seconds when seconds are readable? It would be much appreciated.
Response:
6,25
